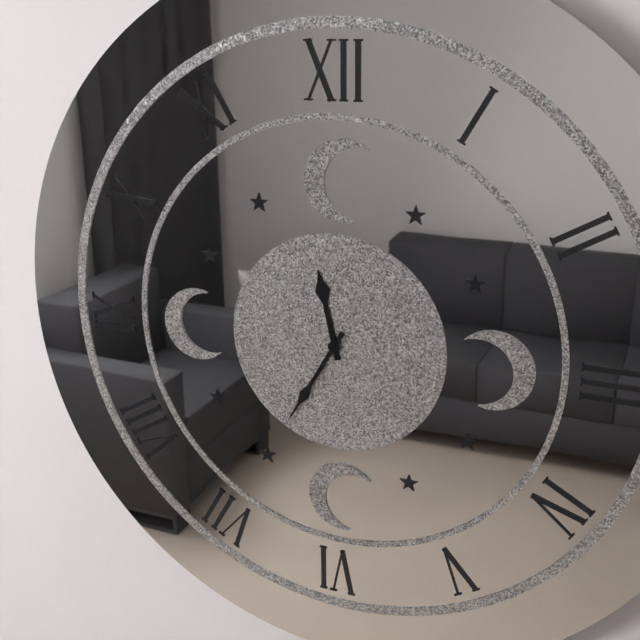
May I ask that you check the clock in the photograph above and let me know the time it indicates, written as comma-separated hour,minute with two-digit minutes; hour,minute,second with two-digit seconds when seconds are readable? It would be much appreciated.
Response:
11,35
